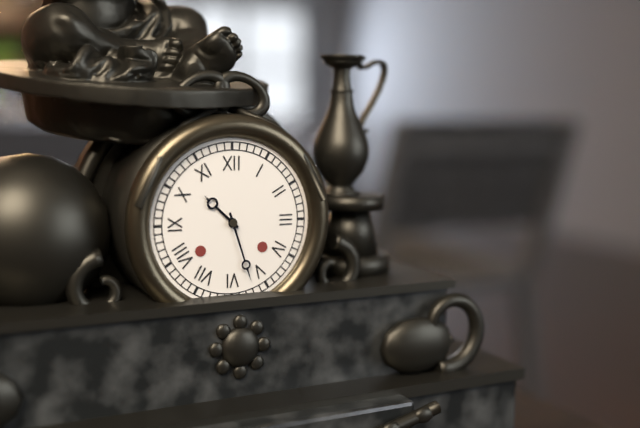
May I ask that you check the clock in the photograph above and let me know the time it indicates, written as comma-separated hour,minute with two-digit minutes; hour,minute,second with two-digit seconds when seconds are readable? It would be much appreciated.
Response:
10,27
